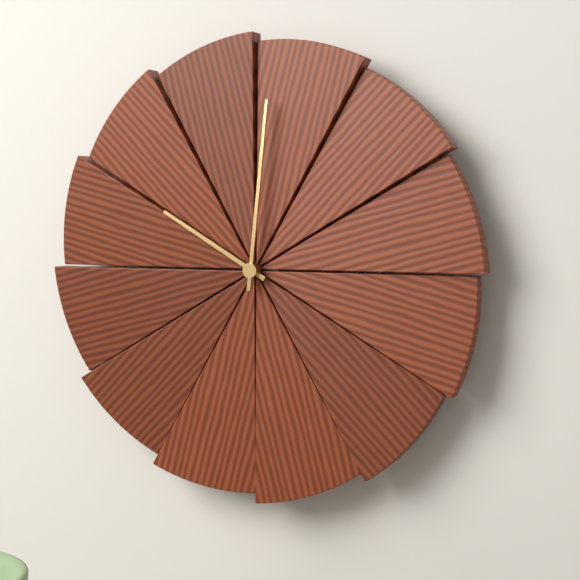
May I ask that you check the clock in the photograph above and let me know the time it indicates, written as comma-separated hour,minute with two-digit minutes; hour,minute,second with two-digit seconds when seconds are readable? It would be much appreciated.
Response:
10,01
